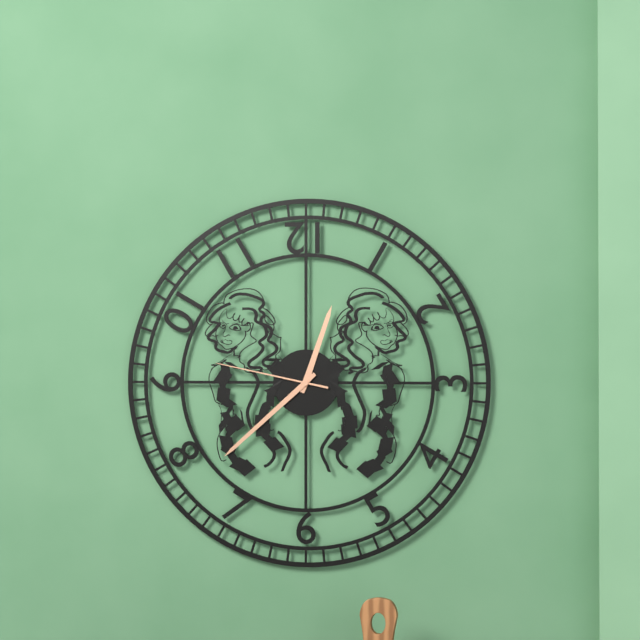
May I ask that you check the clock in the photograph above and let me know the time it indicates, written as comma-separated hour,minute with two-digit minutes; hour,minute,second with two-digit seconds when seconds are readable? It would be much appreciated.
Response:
12,38,47
